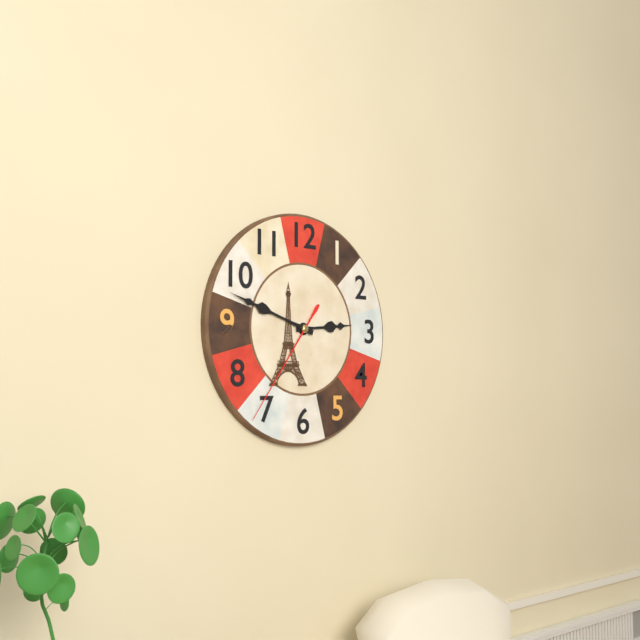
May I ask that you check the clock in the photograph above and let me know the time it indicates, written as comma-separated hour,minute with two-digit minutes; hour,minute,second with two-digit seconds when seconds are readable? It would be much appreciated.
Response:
2,48,36
